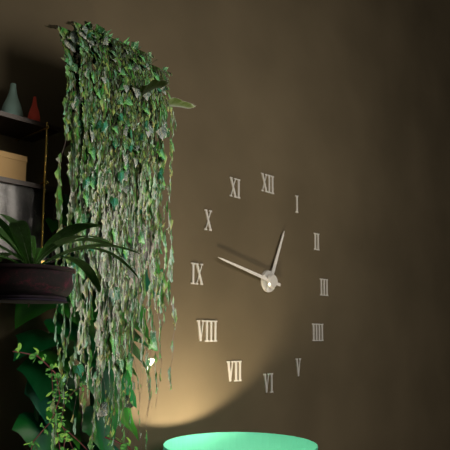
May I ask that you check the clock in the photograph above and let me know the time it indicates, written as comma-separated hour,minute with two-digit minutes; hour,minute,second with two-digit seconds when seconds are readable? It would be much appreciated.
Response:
12,47
